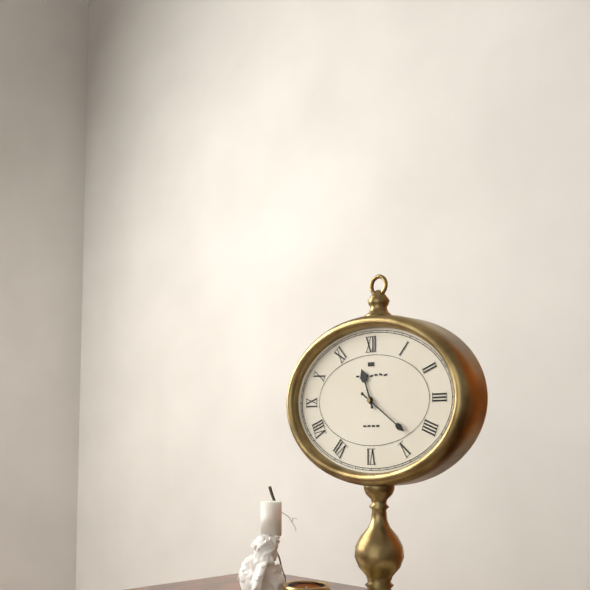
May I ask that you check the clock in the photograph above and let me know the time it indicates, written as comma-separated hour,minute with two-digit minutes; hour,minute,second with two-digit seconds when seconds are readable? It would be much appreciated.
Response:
11,21
